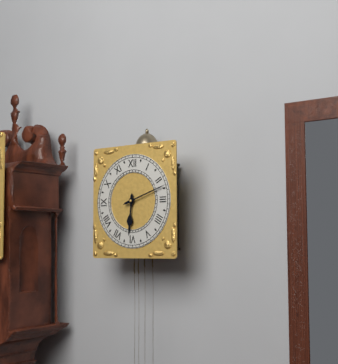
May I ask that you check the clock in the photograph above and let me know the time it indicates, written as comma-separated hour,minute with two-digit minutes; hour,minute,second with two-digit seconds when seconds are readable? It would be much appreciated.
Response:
6,12
